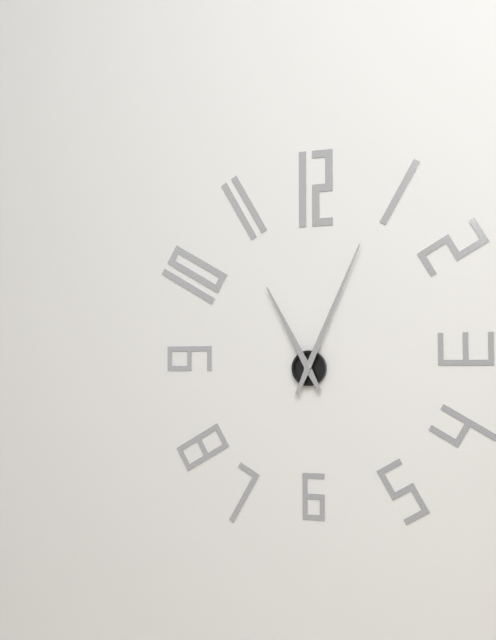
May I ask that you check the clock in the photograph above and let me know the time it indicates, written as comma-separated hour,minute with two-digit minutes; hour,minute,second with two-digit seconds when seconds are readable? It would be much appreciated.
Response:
11,04
